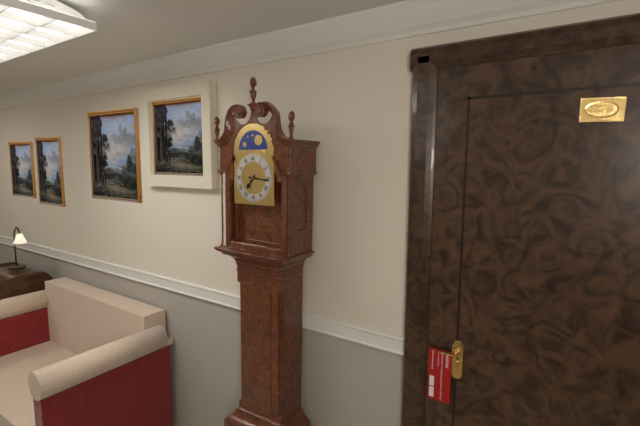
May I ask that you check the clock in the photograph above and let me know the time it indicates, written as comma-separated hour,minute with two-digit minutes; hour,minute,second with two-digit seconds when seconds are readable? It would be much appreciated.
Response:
7,16
